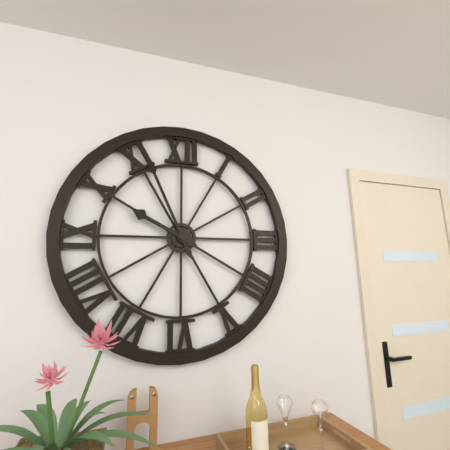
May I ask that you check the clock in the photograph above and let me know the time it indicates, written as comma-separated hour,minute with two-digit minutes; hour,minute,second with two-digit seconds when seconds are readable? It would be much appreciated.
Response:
9,56
